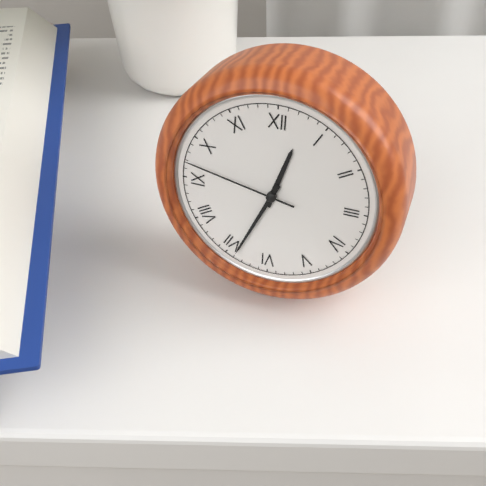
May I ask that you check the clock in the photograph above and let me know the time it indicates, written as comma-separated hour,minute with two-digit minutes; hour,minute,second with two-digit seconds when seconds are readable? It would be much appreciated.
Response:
12,34,47
